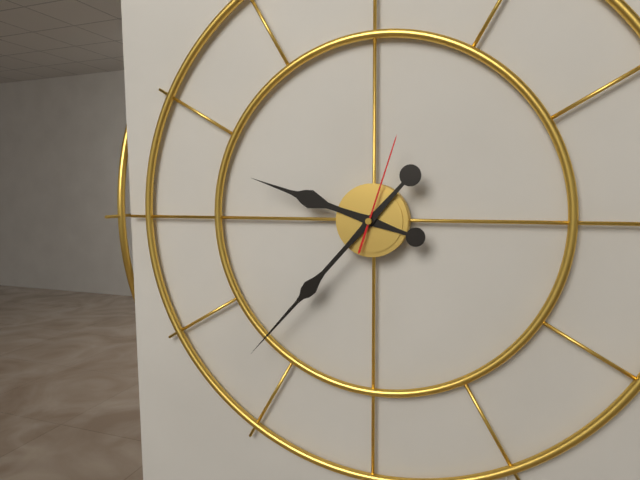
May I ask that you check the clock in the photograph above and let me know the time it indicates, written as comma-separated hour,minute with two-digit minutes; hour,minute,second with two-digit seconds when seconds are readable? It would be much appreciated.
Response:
9,37,03
